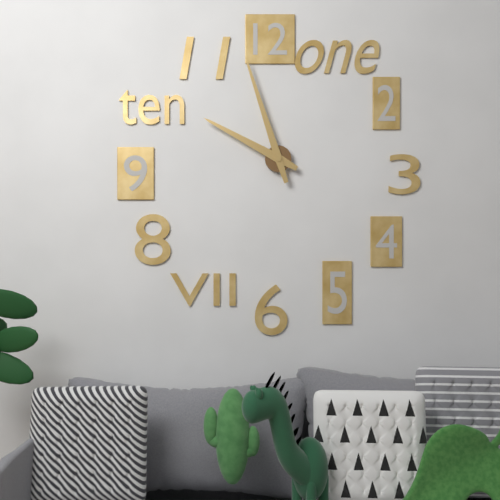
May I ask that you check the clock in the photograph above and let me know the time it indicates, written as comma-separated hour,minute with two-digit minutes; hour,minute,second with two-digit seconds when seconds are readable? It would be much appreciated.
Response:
9,57
